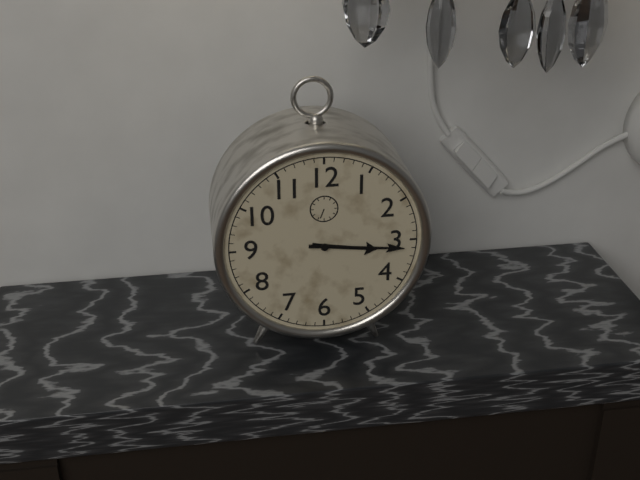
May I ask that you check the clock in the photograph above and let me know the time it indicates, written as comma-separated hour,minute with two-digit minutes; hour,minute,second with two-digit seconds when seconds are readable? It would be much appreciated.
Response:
3,16
